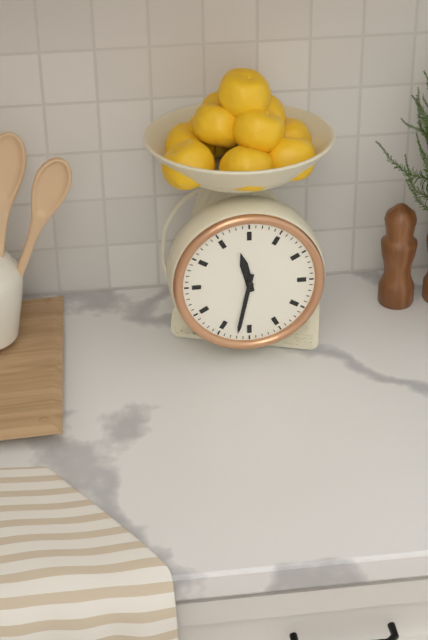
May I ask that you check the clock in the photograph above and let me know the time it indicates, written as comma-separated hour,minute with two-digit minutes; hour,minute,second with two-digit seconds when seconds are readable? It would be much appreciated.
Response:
11,32
